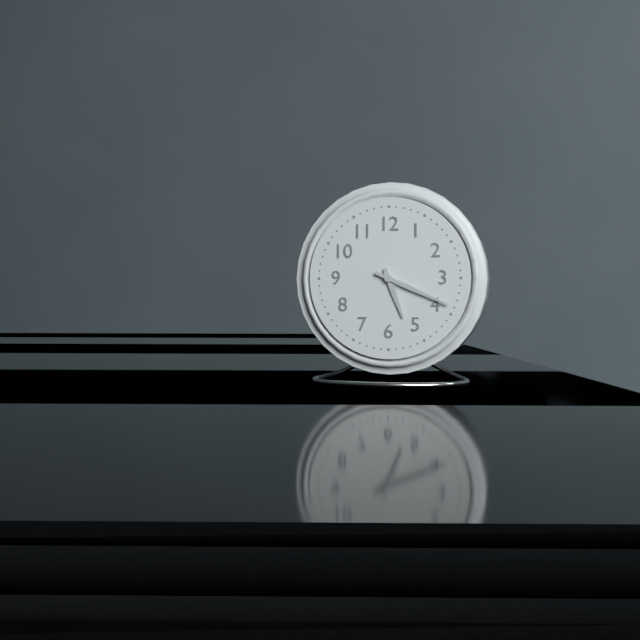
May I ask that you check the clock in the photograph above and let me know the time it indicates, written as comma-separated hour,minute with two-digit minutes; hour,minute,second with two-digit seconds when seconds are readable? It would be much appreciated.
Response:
5,19
